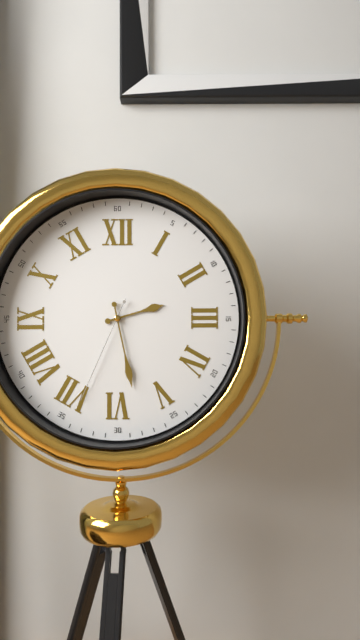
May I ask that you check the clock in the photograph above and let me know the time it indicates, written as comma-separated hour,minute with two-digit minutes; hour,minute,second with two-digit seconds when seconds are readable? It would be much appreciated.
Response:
2,28,34
